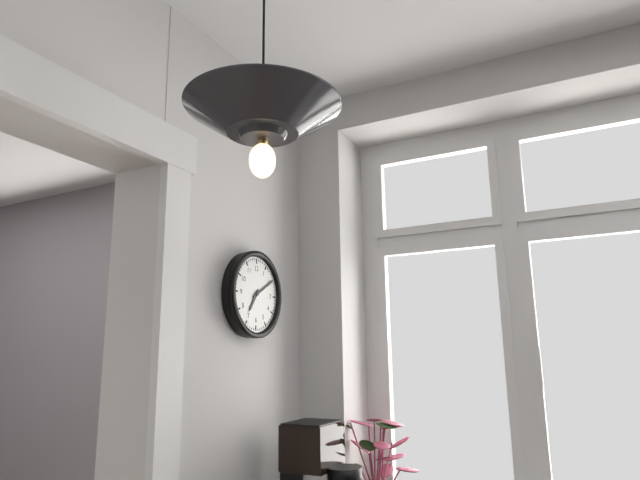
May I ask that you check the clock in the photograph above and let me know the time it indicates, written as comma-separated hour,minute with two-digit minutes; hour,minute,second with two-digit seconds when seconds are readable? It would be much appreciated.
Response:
7,10
